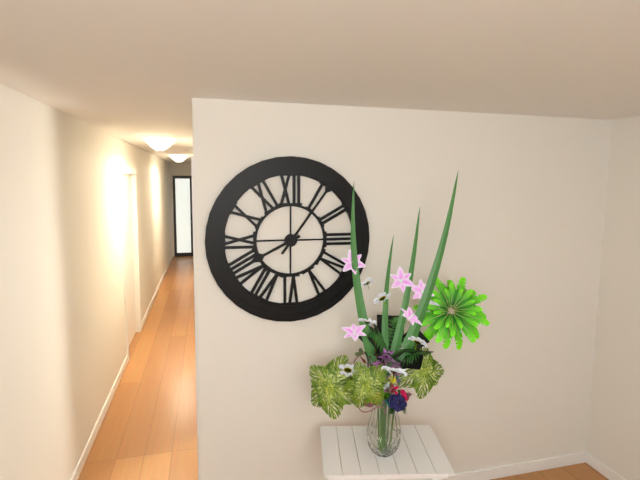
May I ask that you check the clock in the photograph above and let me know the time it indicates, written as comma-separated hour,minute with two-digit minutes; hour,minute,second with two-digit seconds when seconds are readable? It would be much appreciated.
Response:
8,06
